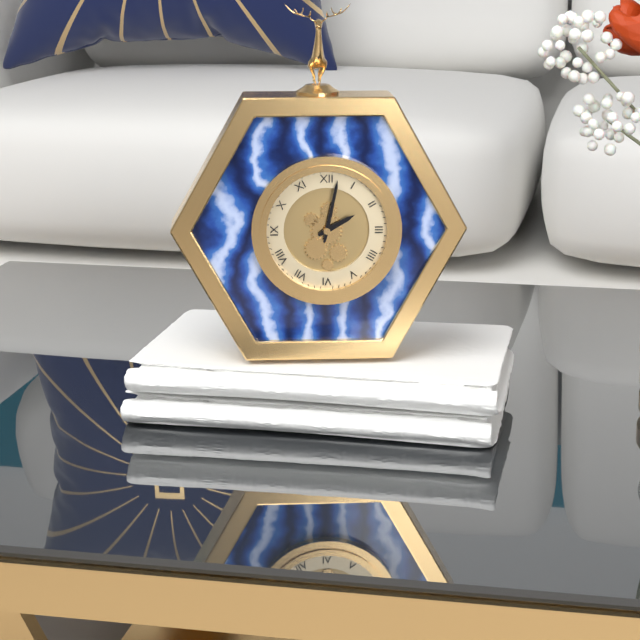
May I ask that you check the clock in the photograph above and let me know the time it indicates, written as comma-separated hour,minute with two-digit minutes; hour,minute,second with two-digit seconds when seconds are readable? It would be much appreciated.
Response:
2,02
